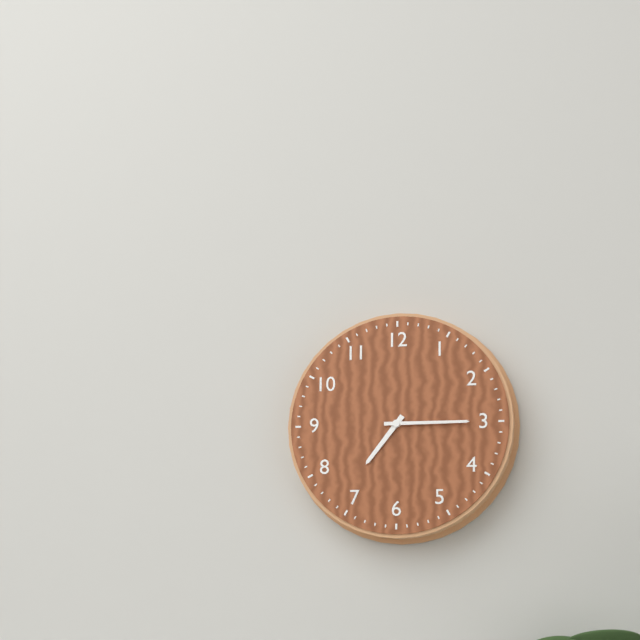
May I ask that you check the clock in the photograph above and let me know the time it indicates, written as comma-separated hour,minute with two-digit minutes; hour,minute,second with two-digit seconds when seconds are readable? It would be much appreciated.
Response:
7,15
